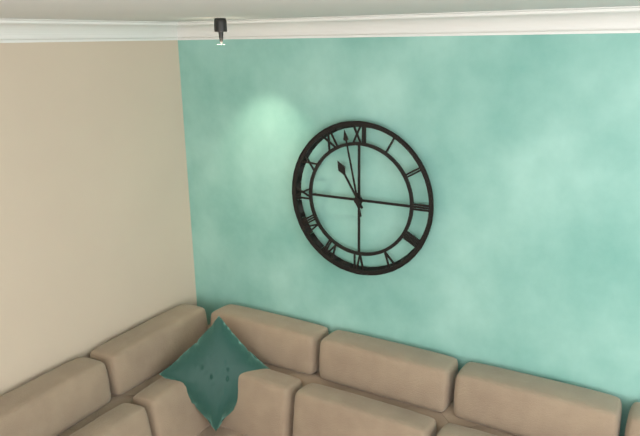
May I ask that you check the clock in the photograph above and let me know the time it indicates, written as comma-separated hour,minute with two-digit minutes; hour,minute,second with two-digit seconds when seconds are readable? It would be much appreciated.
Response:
10,58
